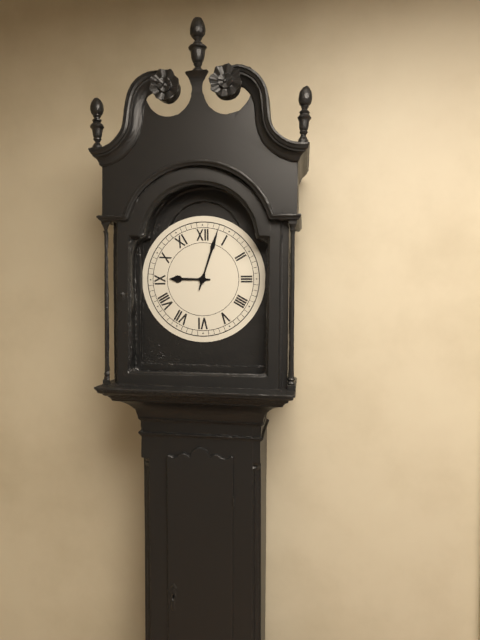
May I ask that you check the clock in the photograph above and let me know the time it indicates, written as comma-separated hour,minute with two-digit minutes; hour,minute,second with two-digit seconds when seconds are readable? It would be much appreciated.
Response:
9,03
